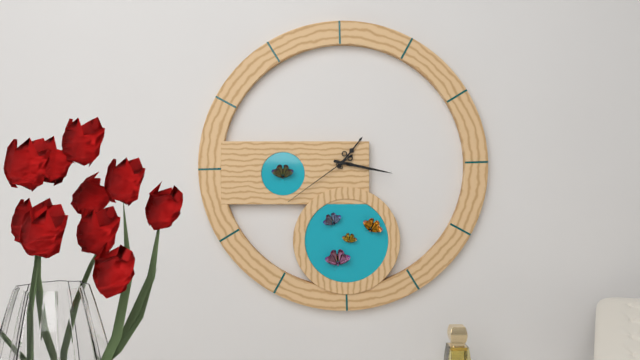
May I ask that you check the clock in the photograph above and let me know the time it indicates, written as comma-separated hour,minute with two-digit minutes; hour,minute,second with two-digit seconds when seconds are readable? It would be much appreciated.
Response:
1,17,39
